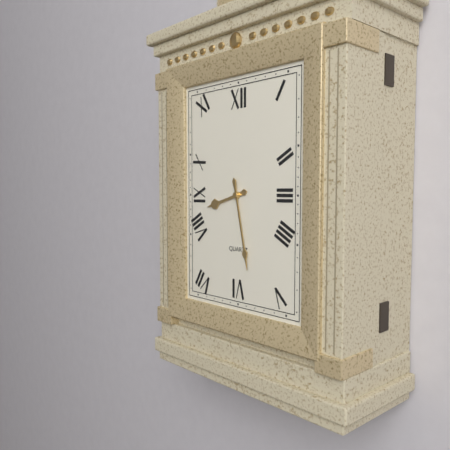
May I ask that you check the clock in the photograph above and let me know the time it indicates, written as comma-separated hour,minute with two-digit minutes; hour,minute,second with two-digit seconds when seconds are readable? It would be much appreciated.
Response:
8,28
